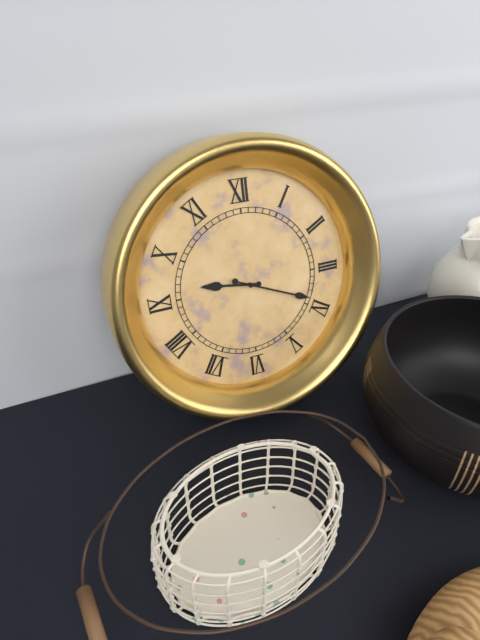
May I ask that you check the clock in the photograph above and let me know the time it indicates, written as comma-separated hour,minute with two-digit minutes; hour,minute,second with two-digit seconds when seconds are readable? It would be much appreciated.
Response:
9,19
